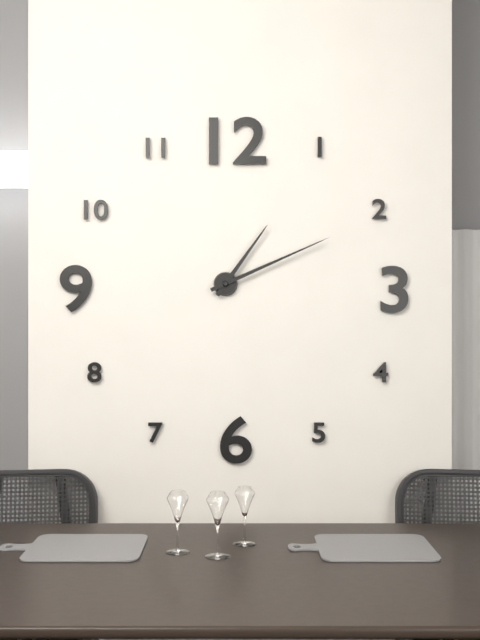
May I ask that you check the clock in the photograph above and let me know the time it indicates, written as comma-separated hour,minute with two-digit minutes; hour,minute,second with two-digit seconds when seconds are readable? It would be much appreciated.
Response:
1,11
